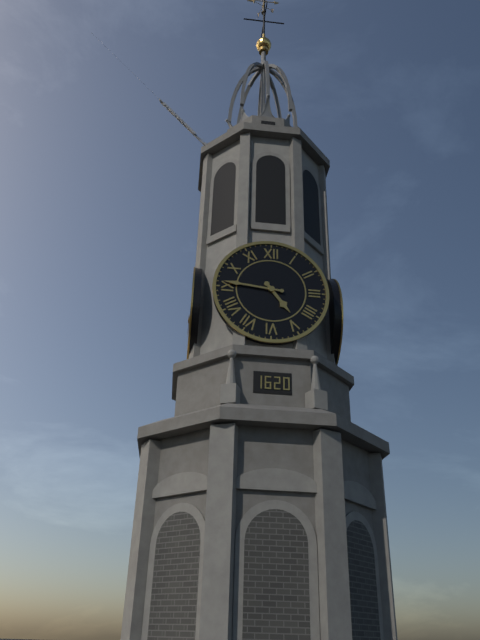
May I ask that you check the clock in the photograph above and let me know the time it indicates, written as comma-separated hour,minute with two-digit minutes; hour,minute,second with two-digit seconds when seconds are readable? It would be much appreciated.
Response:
4,46
